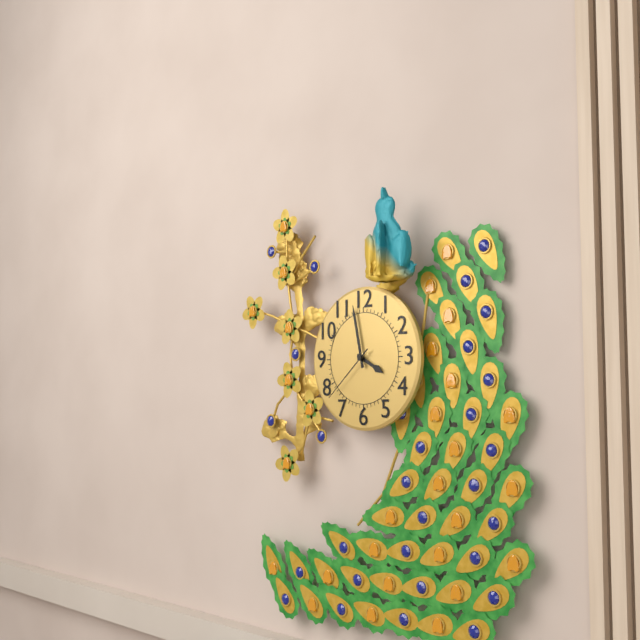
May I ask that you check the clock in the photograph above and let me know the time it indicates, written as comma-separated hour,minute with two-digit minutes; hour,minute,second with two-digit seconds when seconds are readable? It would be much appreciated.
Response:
3,58,38
